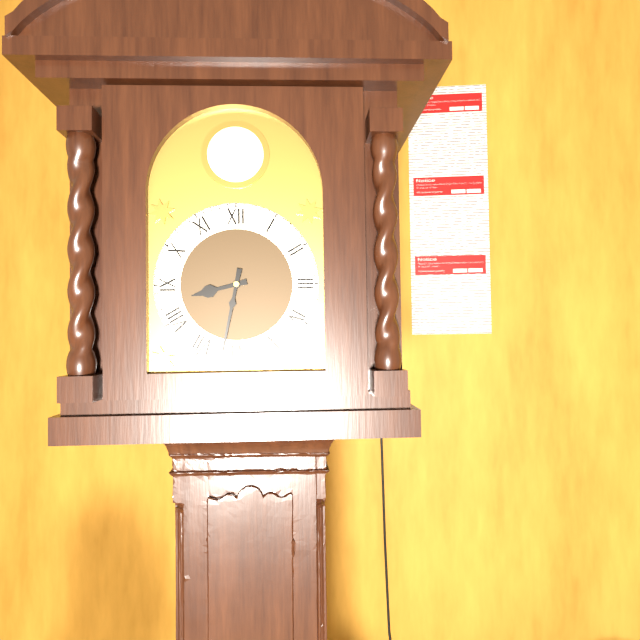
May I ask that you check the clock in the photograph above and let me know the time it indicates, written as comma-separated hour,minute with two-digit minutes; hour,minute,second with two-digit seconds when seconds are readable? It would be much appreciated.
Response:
8,32
